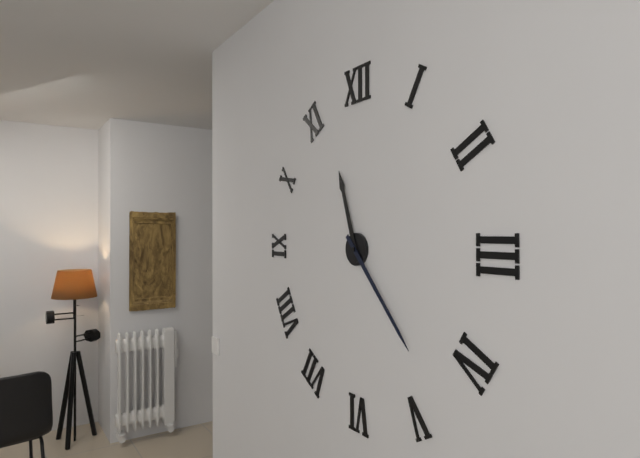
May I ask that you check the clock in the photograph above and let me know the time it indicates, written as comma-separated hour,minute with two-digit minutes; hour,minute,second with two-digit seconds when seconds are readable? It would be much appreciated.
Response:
11,23
